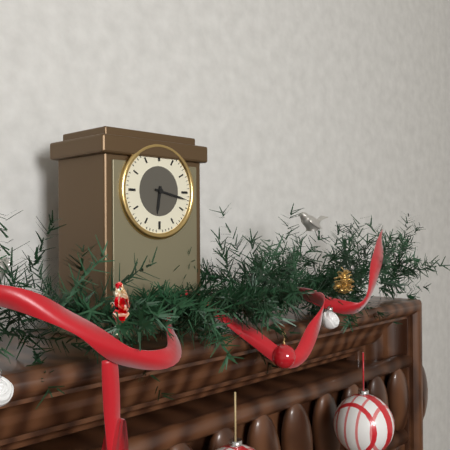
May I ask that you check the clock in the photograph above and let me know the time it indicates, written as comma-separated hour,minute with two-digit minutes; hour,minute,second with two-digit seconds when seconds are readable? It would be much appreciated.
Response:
6,17
